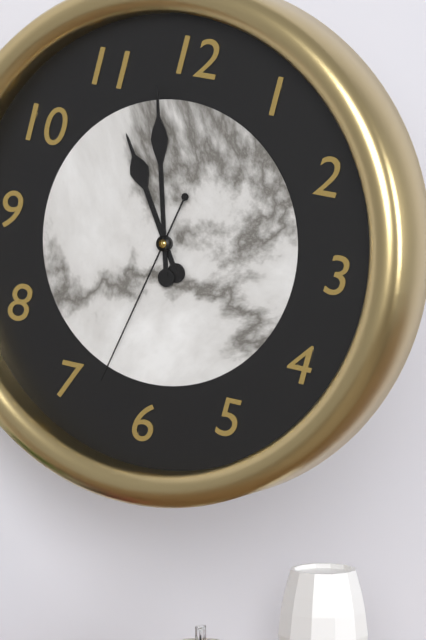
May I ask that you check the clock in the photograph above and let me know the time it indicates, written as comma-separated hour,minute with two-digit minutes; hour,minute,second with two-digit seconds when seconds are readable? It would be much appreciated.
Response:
10,58,33
